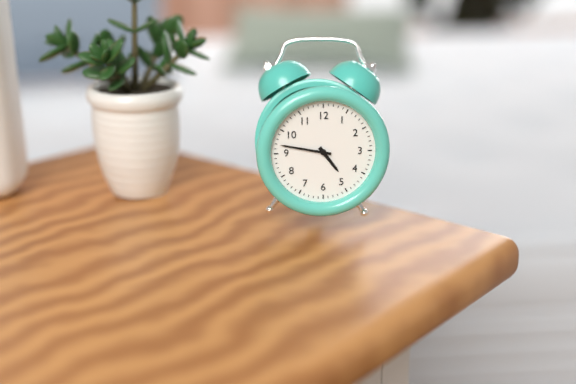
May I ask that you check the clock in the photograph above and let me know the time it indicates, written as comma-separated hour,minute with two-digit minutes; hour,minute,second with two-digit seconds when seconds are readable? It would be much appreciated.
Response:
4,47
